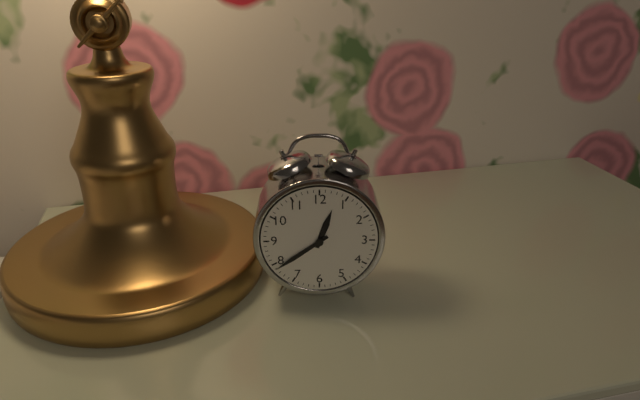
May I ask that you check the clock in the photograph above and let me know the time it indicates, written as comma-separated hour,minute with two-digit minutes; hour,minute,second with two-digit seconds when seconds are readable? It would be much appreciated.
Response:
12,39
